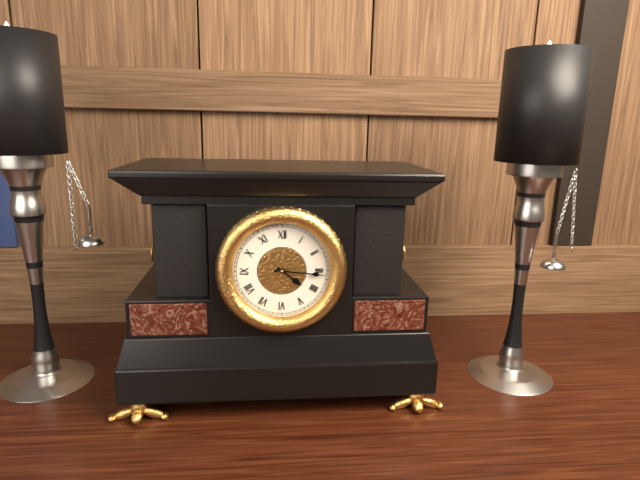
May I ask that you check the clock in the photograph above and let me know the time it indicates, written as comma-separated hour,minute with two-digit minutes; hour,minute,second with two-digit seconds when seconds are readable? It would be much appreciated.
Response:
4,16
